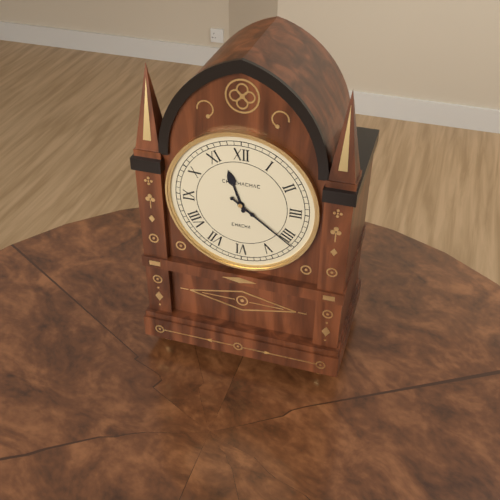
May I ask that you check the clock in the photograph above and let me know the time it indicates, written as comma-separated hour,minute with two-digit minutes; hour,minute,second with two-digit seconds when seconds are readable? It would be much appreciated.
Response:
11,21
